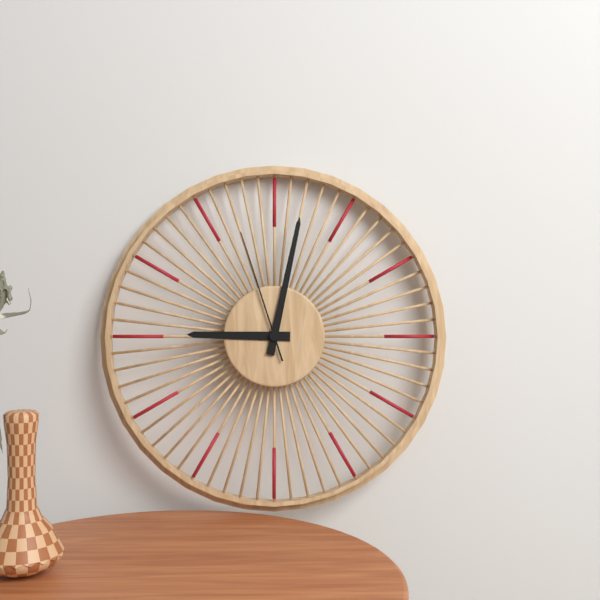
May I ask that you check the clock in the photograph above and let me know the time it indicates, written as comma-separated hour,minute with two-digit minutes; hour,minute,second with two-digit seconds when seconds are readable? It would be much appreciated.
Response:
9,02,57
